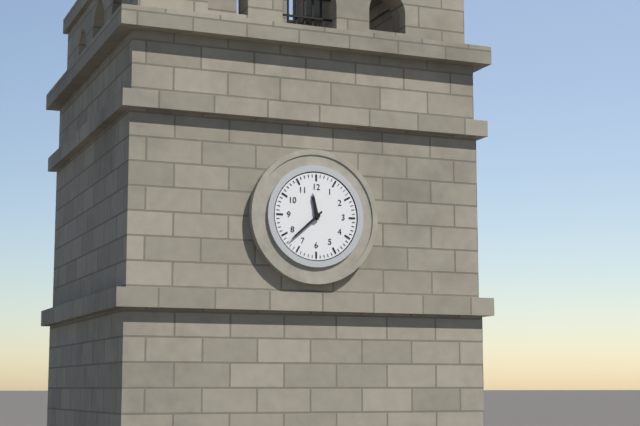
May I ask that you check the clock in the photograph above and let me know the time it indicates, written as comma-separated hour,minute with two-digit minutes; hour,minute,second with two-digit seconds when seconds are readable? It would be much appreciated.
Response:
11,38
